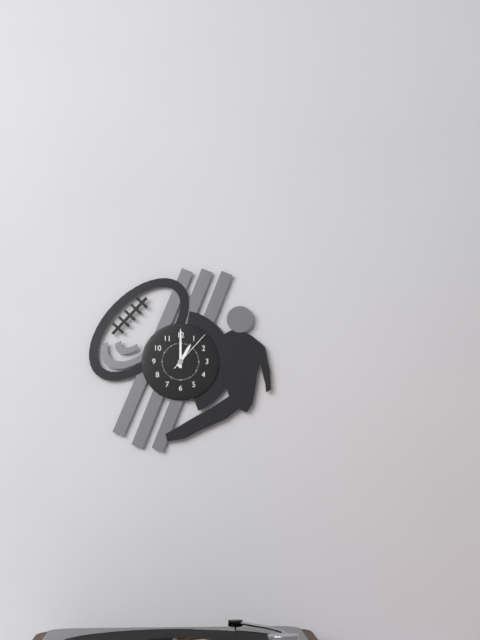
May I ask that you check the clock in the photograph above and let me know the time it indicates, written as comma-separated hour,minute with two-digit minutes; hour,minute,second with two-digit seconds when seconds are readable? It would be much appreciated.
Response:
1,00
